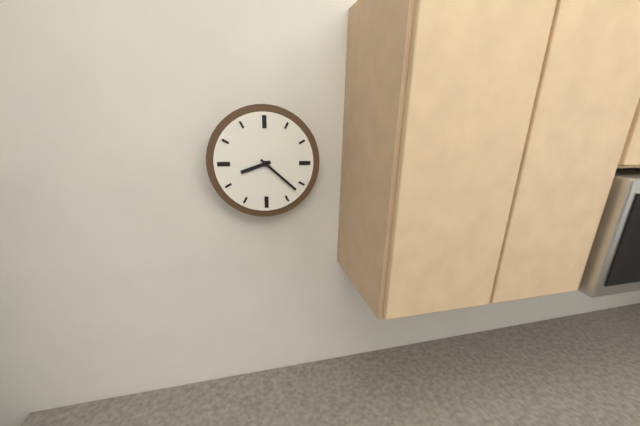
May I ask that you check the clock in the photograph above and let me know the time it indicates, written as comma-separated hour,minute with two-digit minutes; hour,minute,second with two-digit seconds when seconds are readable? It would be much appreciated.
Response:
8,22
